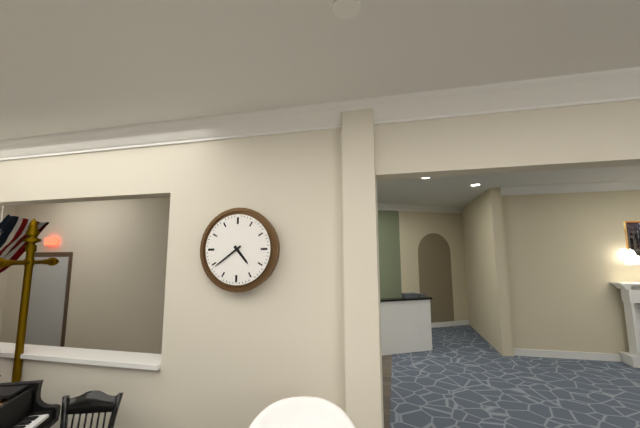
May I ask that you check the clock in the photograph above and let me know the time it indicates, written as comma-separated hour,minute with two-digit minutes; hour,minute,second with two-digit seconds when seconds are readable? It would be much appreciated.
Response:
4,39
